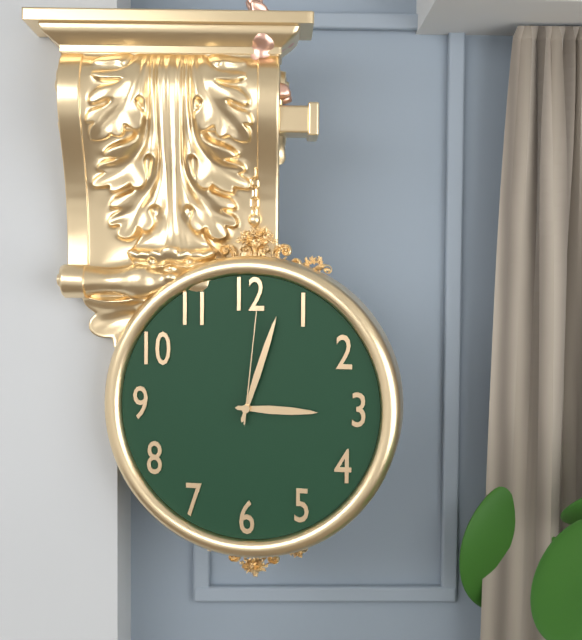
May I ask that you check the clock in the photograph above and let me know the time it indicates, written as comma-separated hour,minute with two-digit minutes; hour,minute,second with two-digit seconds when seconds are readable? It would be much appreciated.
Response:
3,03,01
